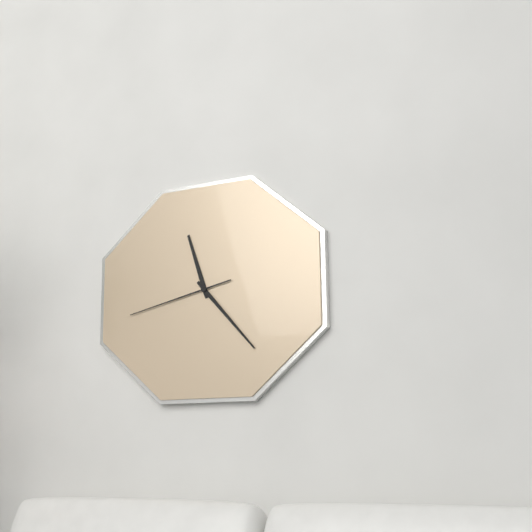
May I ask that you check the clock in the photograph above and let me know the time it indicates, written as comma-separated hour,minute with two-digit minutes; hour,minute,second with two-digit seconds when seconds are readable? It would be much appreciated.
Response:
11,23,43
